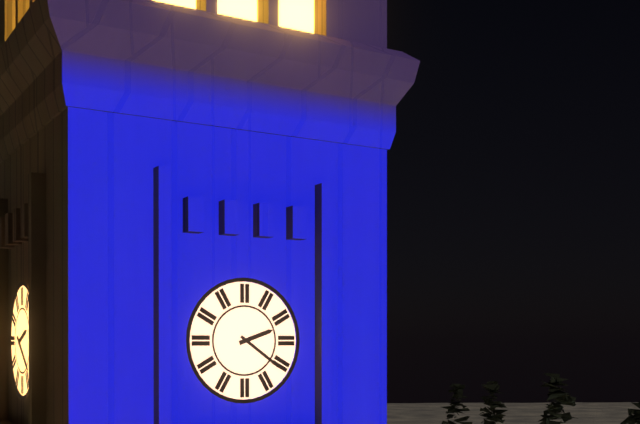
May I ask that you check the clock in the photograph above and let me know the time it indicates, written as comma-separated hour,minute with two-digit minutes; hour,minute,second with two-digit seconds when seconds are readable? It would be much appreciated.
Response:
2,21
